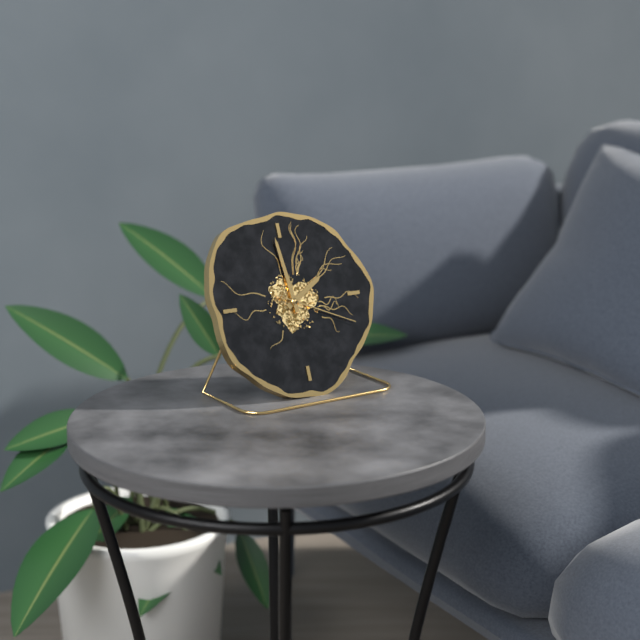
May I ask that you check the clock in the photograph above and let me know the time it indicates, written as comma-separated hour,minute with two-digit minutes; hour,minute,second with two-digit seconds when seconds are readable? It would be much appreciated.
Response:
1,59,19
